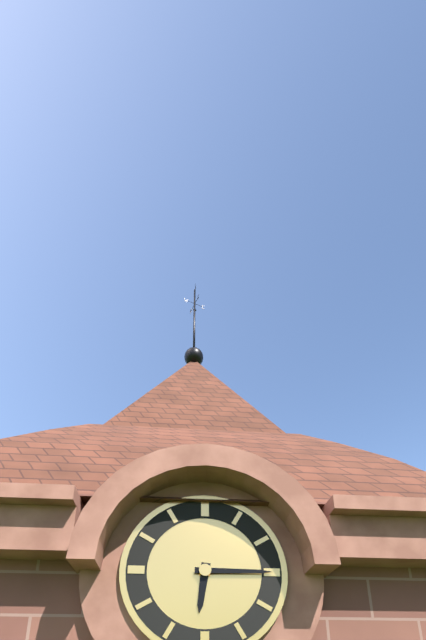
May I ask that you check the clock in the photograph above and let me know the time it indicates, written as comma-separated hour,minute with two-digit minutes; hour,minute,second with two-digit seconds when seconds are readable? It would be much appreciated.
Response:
6,15
